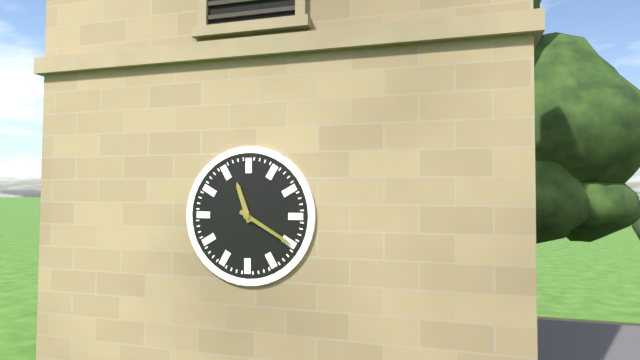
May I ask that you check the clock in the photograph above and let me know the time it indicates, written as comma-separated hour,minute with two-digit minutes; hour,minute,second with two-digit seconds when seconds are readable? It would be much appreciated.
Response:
11,20
